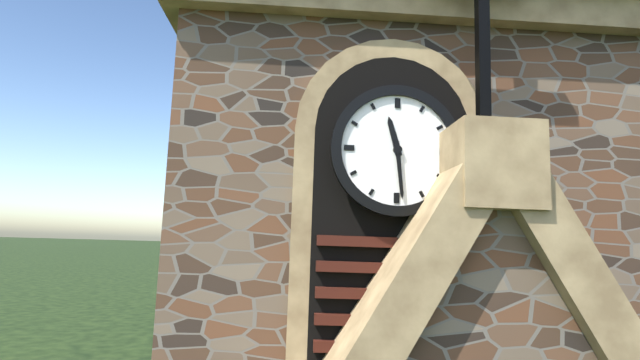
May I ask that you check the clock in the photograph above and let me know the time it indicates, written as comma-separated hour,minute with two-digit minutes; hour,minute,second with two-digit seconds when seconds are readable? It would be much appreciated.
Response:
11,29
